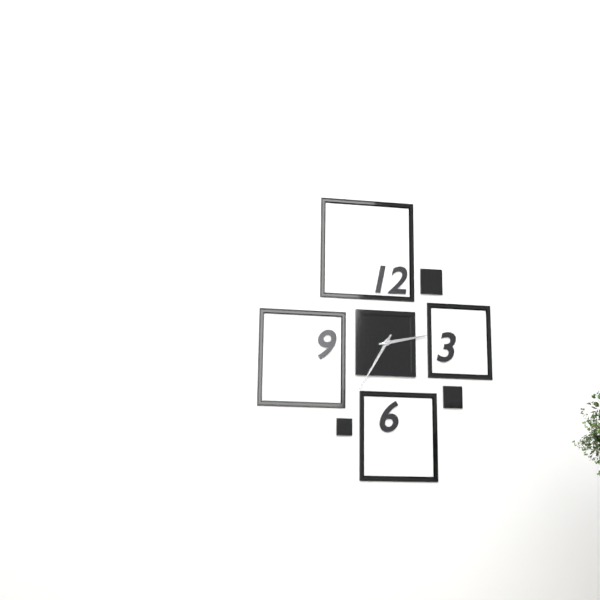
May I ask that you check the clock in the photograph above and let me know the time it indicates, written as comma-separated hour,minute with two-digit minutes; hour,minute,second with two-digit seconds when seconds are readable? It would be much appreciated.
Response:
2,35
